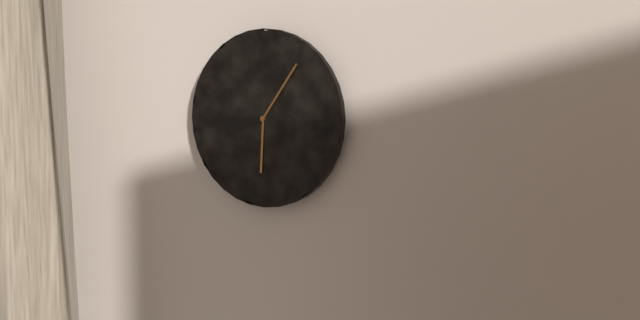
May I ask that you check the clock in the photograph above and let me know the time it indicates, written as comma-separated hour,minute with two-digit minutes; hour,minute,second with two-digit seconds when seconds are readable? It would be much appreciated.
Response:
6,06
